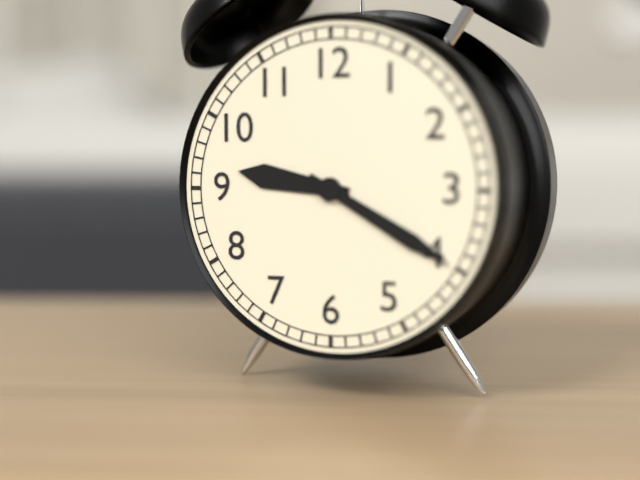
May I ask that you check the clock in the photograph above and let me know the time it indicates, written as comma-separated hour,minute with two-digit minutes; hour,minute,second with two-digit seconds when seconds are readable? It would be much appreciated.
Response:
9,20
